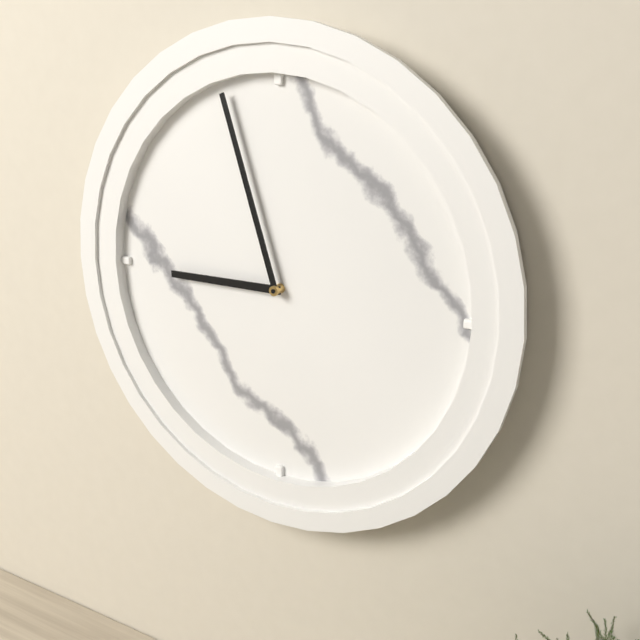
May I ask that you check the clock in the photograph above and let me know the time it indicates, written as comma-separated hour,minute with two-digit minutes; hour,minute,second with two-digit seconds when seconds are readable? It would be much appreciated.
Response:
8,57
